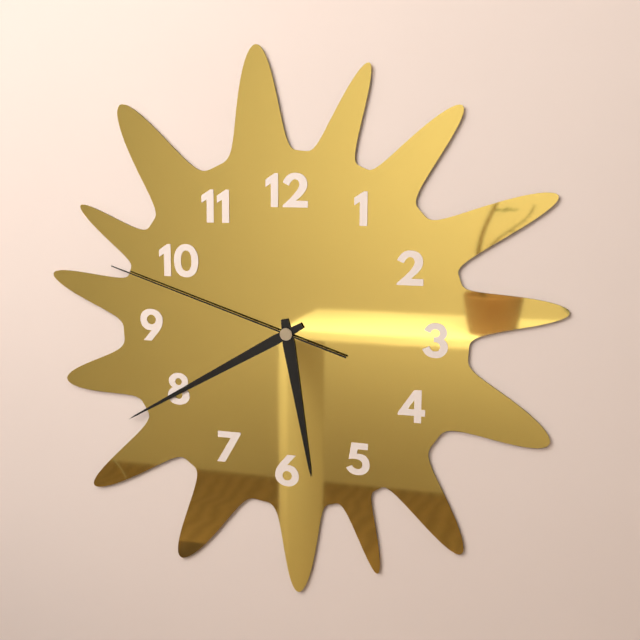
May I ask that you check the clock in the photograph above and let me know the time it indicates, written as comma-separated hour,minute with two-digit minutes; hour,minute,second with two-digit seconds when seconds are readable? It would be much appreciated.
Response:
5,40,48
